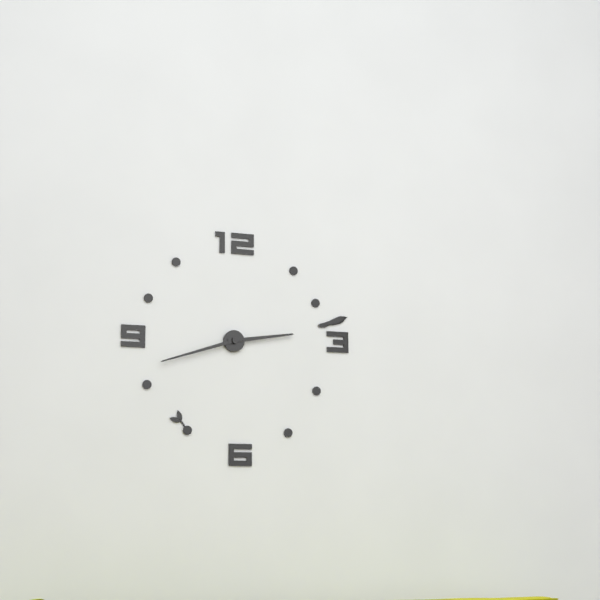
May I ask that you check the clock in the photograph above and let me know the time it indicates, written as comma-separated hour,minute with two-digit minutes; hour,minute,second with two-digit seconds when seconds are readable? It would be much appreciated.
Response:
2,42
